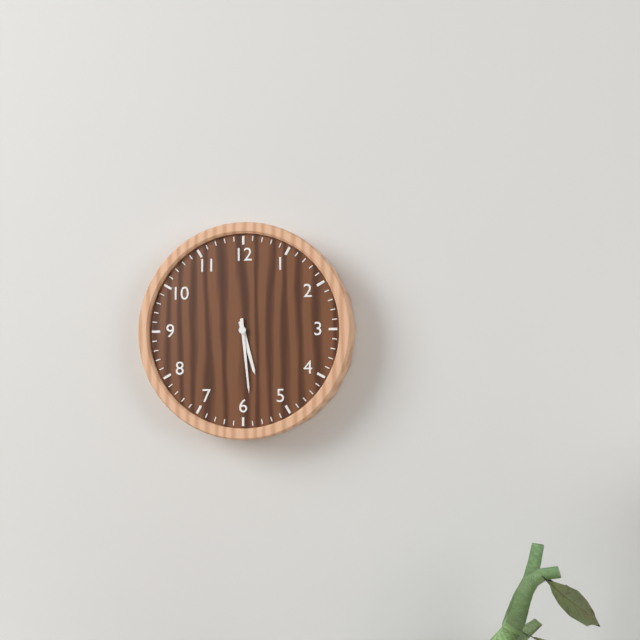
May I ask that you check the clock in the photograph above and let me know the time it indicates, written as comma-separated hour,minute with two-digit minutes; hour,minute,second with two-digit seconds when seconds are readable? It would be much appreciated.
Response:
5,29
